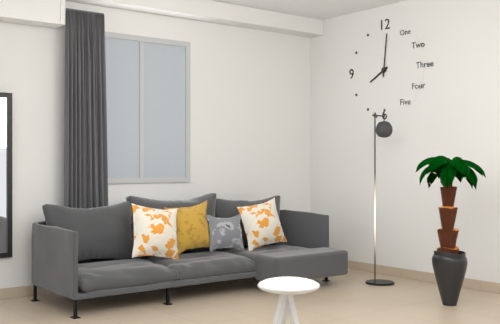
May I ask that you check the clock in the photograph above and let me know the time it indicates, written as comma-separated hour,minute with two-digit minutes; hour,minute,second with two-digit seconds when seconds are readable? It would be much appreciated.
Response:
8,01
